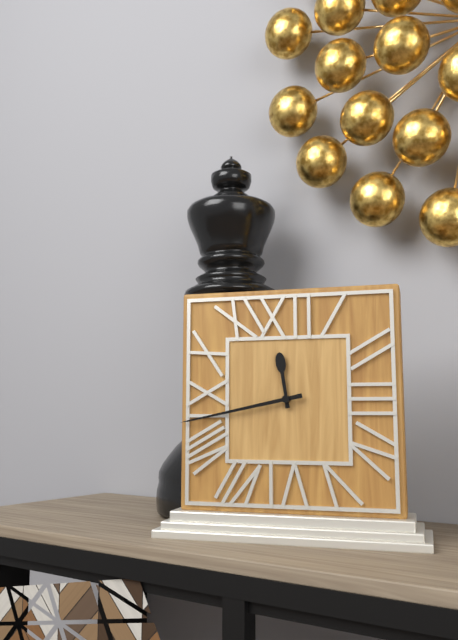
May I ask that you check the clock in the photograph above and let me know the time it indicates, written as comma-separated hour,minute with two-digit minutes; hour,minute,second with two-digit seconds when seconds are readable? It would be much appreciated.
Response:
11,43
